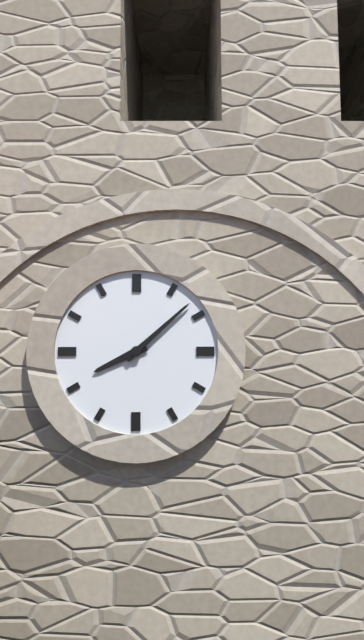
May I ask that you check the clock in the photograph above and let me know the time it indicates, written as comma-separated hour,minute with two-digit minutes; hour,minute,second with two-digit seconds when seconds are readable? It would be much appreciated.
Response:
8,08
